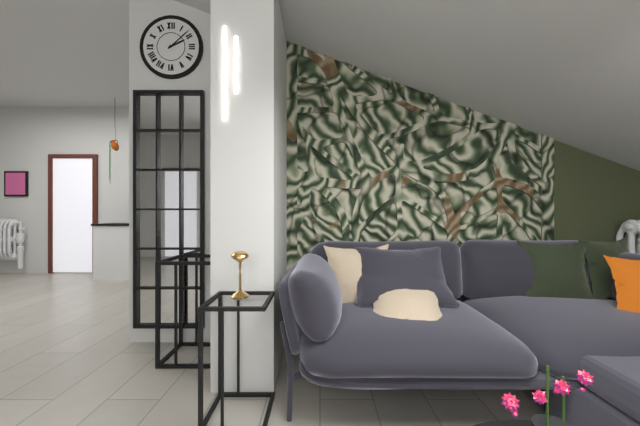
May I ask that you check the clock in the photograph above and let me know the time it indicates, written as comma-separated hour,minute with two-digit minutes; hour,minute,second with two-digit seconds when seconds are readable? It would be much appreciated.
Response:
2,08
